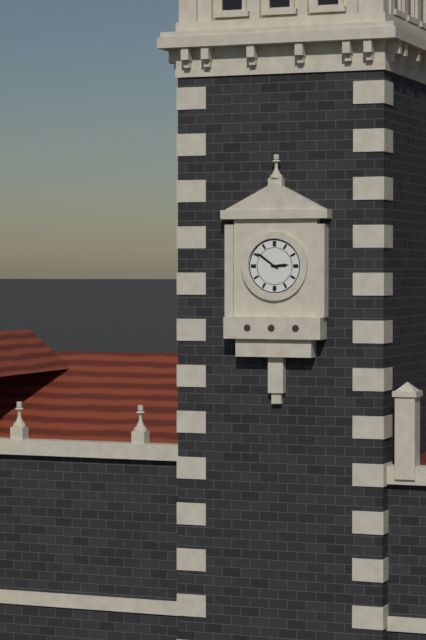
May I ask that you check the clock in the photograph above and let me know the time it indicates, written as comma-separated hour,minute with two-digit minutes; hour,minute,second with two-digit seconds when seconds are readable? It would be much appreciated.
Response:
2,51
